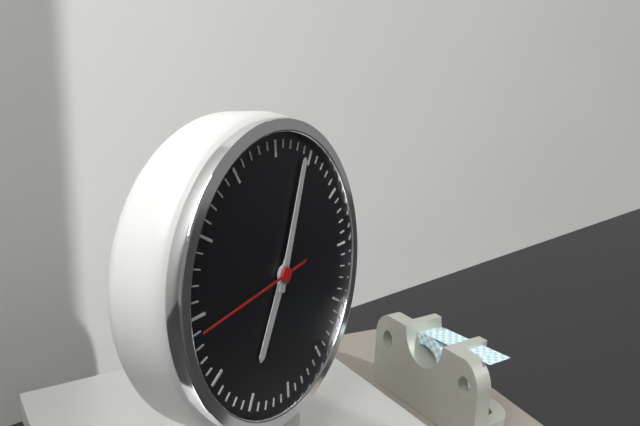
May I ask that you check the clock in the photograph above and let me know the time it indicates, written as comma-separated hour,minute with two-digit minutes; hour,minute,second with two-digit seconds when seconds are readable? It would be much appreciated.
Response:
7,04,44
